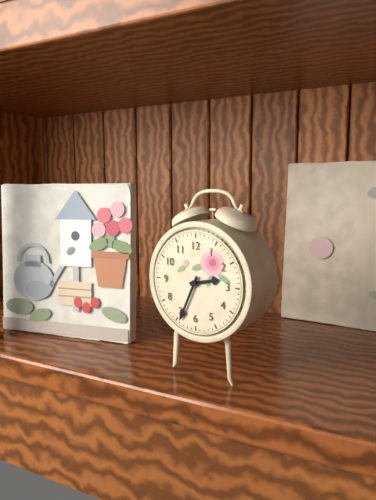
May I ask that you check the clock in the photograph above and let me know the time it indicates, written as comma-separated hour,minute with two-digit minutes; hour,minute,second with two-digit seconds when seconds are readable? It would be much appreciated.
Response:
2,34
